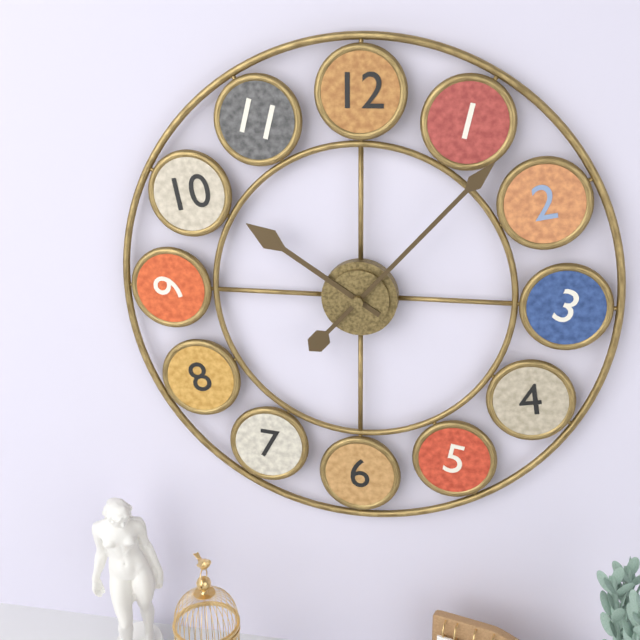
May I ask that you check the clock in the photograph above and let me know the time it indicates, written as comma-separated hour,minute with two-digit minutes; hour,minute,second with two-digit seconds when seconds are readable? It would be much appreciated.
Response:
10,07
